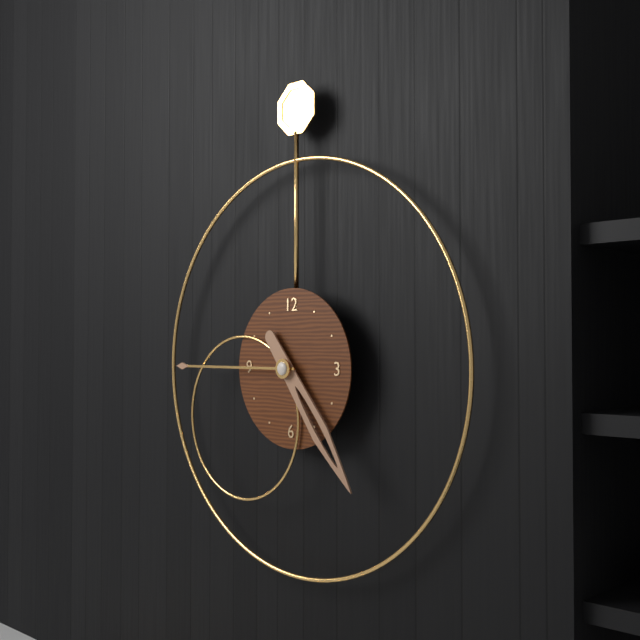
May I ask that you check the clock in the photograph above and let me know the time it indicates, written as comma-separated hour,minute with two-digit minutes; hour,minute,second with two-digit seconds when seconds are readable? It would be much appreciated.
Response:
4,45
